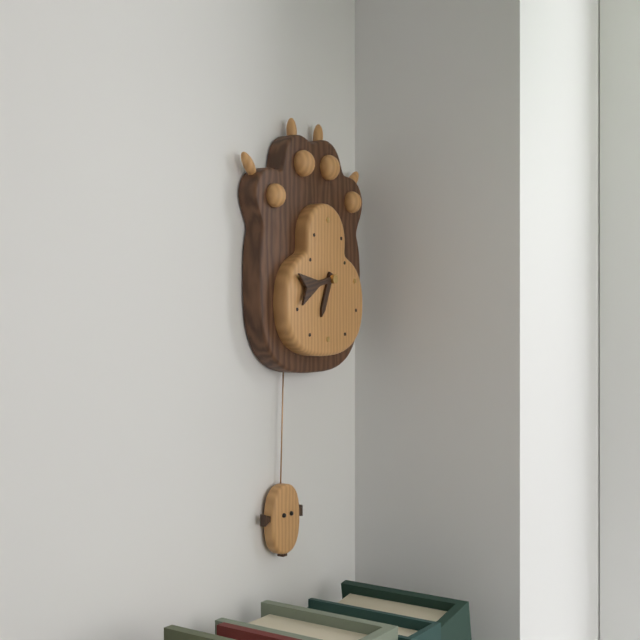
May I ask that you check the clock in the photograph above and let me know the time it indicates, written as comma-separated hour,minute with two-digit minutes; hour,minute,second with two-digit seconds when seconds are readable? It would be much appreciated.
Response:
6,43
